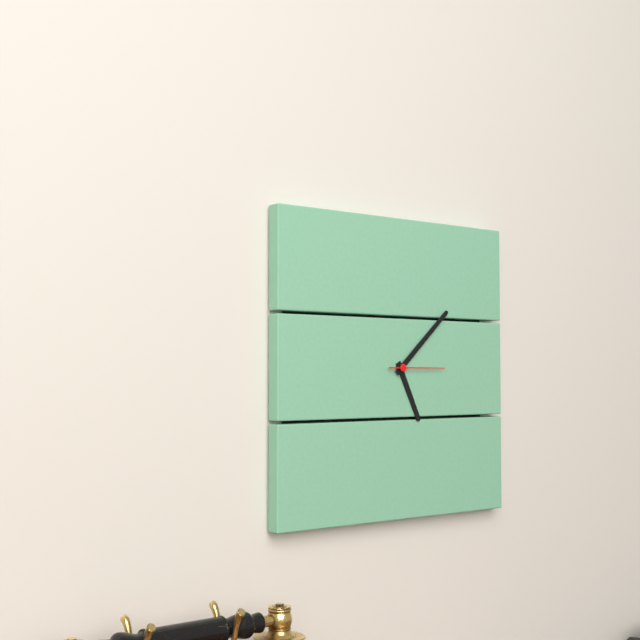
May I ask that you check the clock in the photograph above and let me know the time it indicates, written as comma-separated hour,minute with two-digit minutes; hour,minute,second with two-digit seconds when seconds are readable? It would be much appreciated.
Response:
5,08,15
